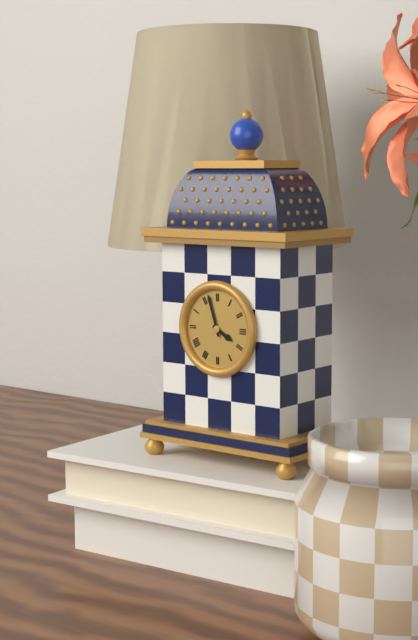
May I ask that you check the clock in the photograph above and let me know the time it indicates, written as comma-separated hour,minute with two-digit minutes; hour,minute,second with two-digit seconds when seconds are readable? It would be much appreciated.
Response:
3,57
